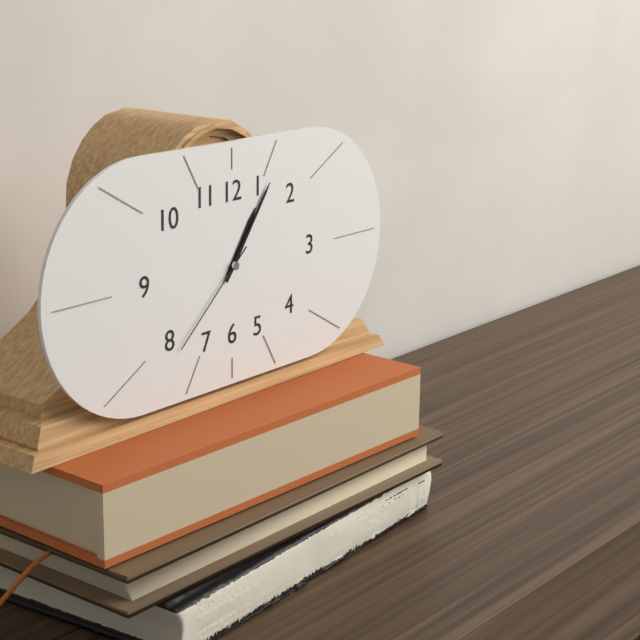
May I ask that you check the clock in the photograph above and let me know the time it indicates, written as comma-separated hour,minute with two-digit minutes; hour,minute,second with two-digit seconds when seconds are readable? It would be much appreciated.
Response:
1,06,38
